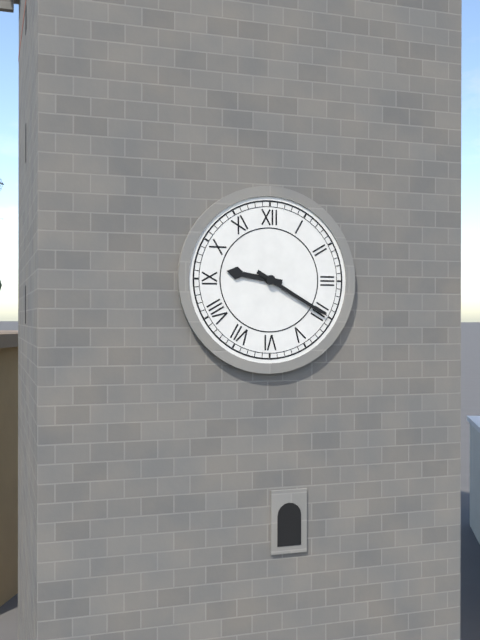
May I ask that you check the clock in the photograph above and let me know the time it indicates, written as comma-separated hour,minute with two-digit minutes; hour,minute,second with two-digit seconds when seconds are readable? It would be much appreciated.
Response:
9,20
